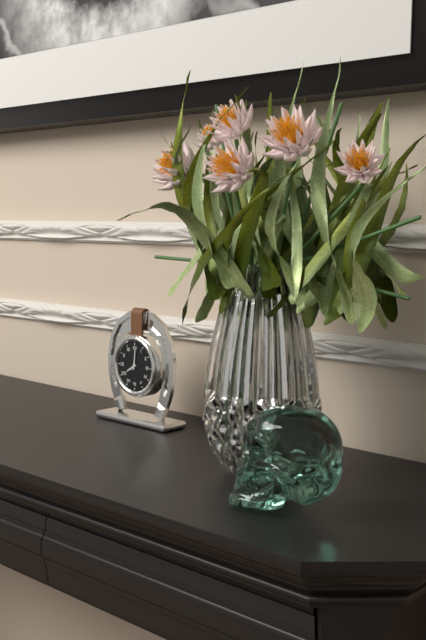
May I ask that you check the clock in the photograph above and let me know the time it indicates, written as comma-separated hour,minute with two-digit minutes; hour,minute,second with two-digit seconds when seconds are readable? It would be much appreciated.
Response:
8,01
